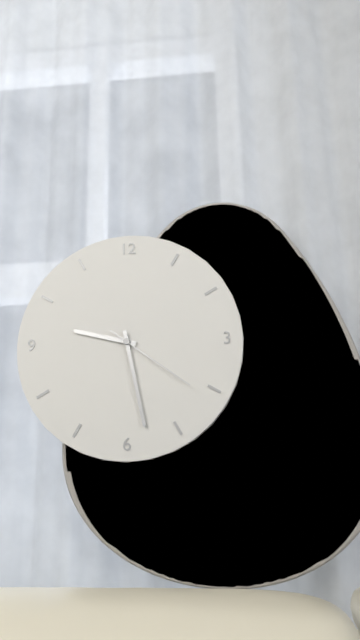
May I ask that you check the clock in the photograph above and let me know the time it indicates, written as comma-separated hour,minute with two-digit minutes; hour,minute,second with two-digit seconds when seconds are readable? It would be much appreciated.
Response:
9,28,21
